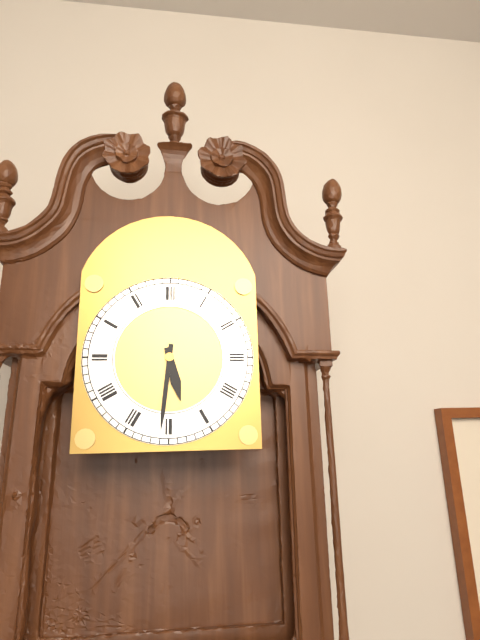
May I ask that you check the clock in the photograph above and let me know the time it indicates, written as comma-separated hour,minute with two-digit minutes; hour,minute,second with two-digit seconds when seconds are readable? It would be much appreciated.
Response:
5,31
